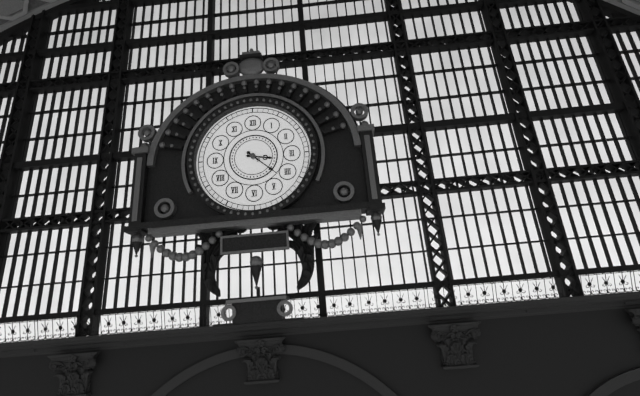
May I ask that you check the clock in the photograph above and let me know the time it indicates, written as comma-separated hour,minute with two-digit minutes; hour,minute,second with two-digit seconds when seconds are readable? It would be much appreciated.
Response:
3,22
